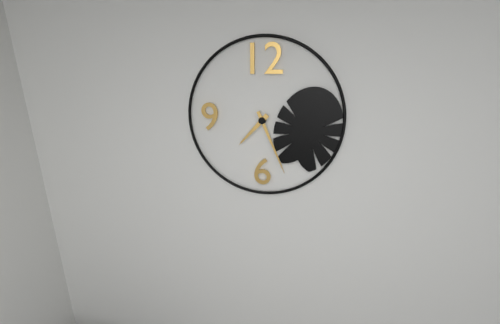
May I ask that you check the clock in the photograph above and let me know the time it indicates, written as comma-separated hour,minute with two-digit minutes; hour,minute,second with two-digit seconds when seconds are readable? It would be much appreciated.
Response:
7,26
